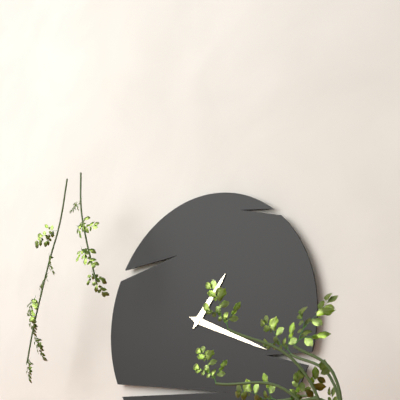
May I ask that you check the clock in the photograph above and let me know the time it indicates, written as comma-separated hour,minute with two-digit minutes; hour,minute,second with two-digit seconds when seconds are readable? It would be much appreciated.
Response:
1,19
